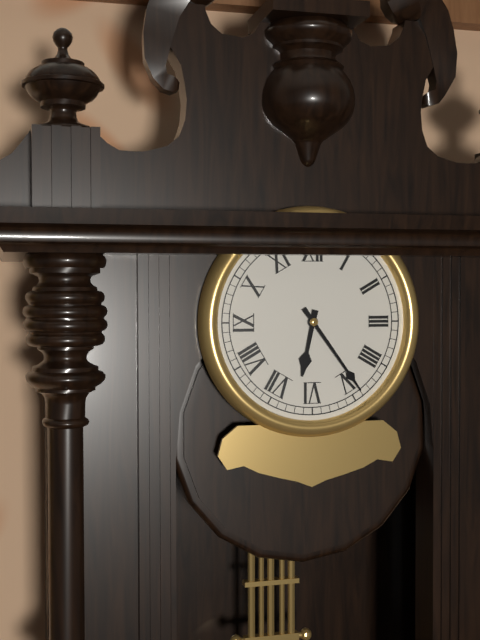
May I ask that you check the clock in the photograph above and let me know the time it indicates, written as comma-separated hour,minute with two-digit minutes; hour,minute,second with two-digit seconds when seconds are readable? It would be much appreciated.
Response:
6,24
